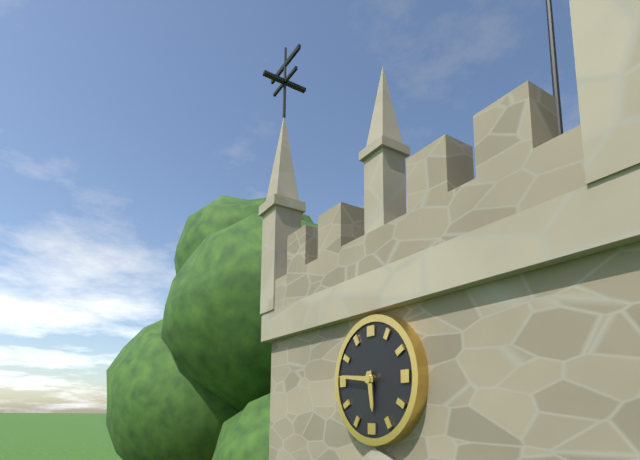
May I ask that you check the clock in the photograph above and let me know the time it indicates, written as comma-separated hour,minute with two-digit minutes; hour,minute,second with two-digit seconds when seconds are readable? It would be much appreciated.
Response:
5,46
